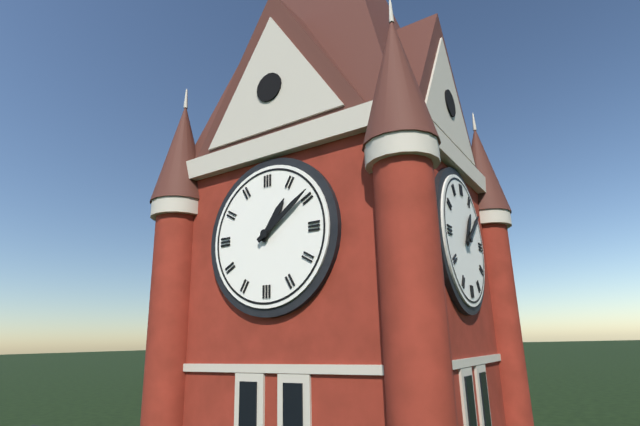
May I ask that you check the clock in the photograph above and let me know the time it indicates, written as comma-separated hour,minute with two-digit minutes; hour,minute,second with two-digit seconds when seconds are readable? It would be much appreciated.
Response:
1,09
